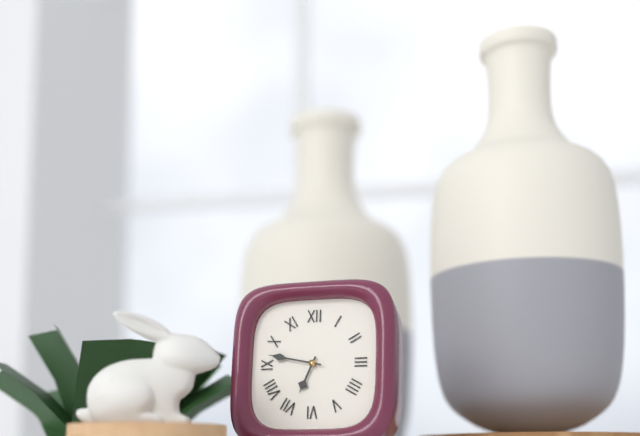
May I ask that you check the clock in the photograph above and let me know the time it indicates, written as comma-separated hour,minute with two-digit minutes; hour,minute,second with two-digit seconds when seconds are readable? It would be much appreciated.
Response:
6,47
